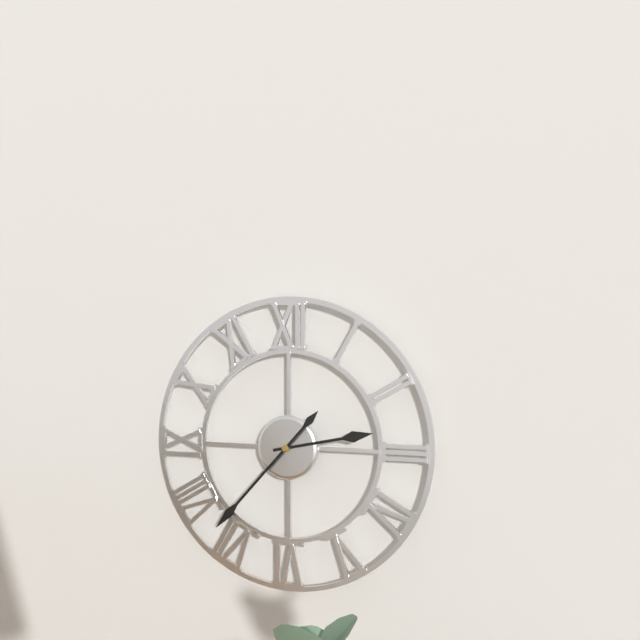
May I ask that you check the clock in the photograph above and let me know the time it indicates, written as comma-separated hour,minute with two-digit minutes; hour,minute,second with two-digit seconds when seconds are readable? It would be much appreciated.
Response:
2,37
